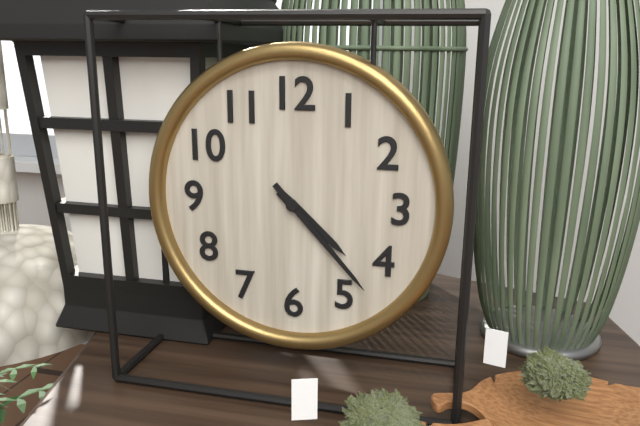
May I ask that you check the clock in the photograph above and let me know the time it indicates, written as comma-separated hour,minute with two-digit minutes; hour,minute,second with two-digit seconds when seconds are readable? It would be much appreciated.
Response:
4,23
